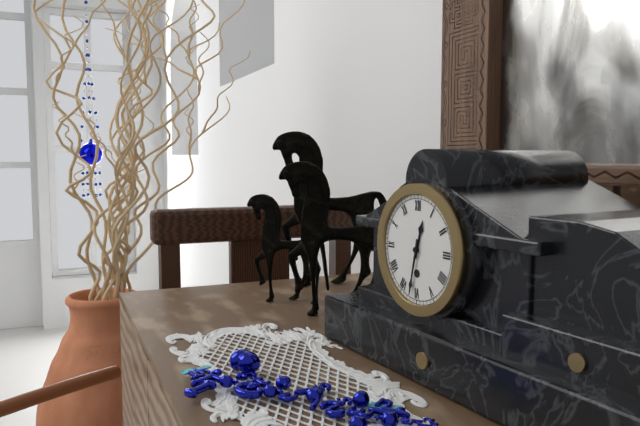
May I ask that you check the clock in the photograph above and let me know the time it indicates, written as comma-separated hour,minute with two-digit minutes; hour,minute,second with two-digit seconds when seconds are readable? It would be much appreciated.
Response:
12,32
